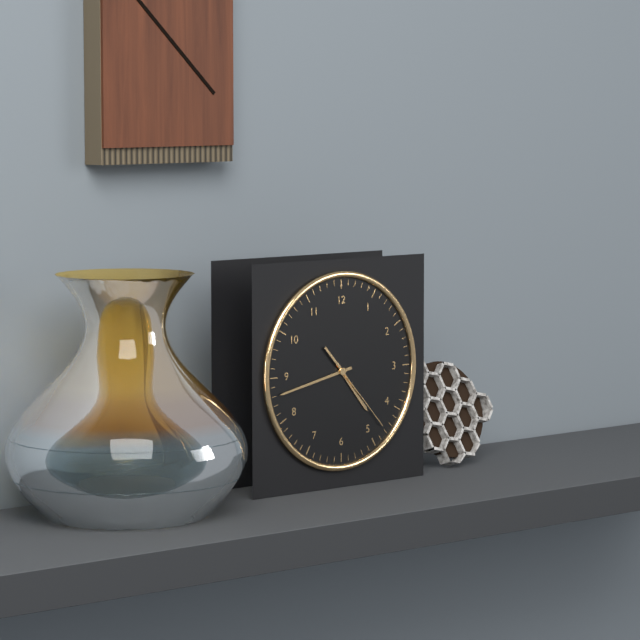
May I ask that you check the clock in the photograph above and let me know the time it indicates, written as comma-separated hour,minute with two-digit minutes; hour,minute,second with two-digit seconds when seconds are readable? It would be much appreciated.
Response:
4,43,23
